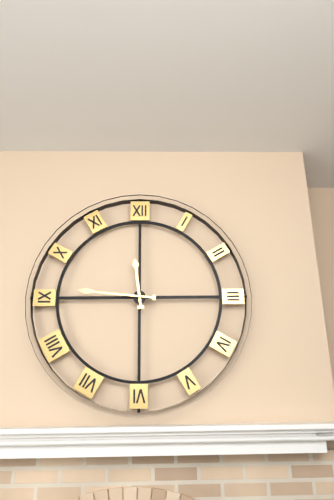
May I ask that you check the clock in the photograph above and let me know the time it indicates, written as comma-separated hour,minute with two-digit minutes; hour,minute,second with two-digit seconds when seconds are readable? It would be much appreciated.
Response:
11,46
